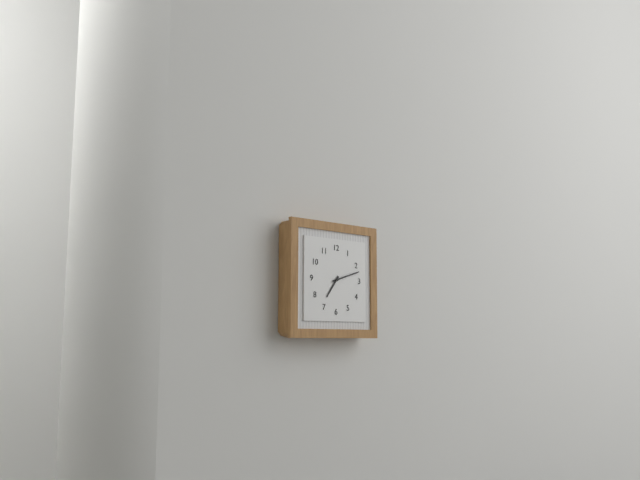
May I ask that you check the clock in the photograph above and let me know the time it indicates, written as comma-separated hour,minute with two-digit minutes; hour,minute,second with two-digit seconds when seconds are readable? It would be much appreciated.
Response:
7,12
